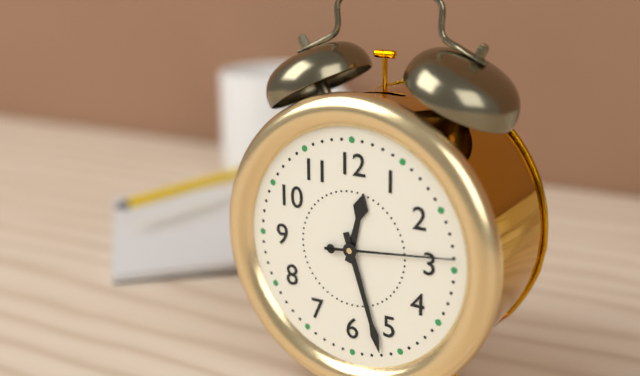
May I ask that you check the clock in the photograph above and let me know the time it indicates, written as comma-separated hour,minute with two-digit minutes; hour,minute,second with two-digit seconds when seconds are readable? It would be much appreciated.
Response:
12,27,14
